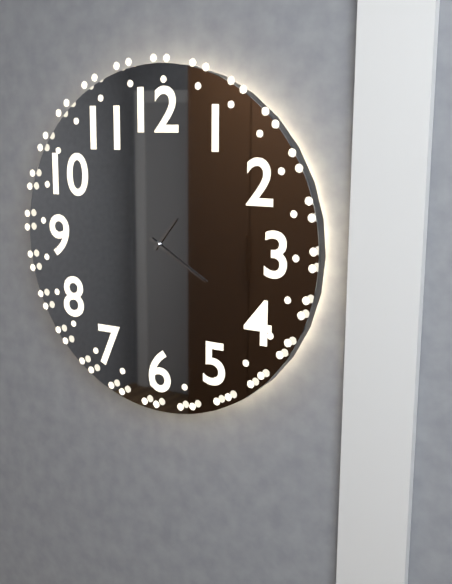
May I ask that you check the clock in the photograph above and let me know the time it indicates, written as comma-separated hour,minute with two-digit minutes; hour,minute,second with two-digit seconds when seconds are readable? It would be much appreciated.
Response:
1,20
